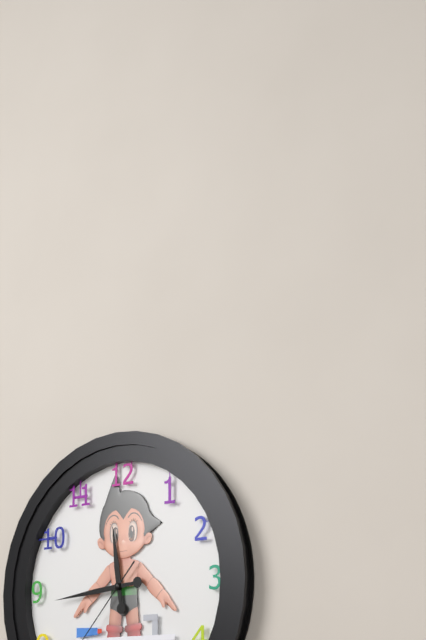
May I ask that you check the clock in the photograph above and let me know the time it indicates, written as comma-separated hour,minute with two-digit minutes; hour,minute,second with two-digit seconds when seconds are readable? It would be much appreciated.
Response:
11,44
